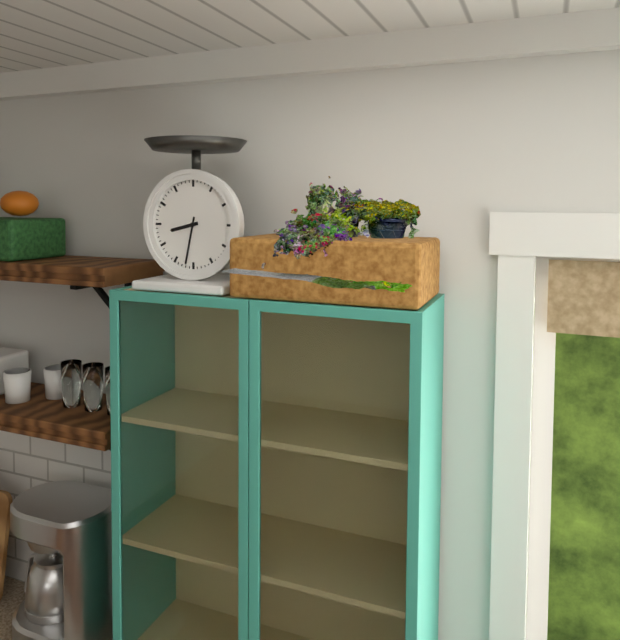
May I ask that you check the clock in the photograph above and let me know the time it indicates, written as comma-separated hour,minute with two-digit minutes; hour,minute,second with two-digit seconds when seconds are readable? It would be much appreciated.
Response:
8,32
